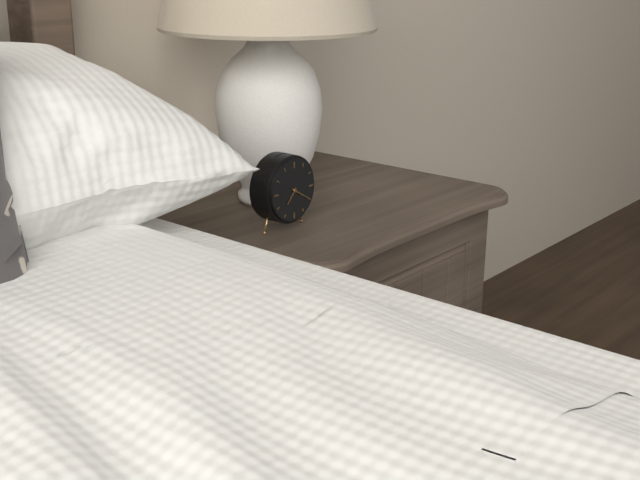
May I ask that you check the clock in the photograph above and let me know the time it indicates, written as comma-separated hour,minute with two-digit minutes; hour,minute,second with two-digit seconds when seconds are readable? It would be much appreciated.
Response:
7,20
